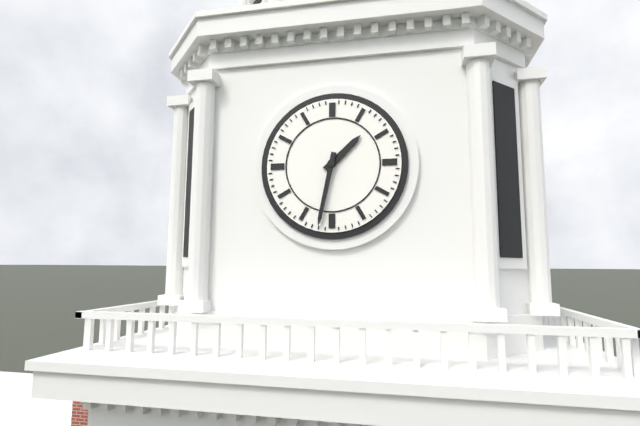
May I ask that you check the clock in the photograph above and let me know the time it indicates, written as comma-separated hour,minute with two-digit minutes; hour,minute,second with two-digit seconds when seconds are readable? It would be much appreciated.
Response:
1,32
